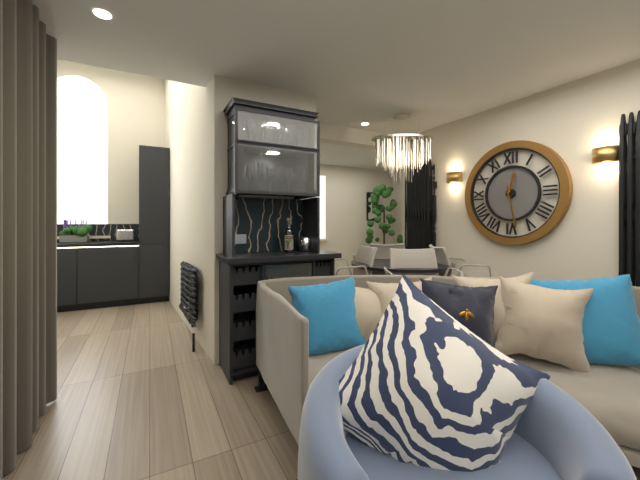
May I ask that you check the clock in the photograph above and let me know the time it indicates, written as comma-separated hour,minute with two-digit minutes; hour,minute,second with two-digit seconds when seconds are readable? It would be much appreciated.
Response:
12,28
